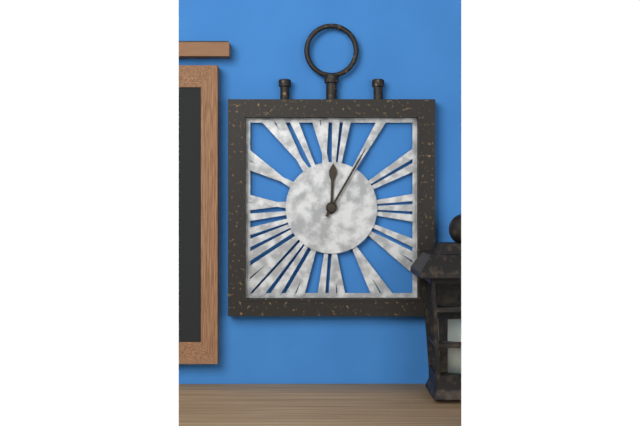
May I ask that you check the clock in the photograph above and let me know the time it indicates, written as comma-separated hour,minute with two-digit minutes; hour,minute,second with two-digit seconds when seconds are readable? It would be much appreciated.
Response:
12,05
